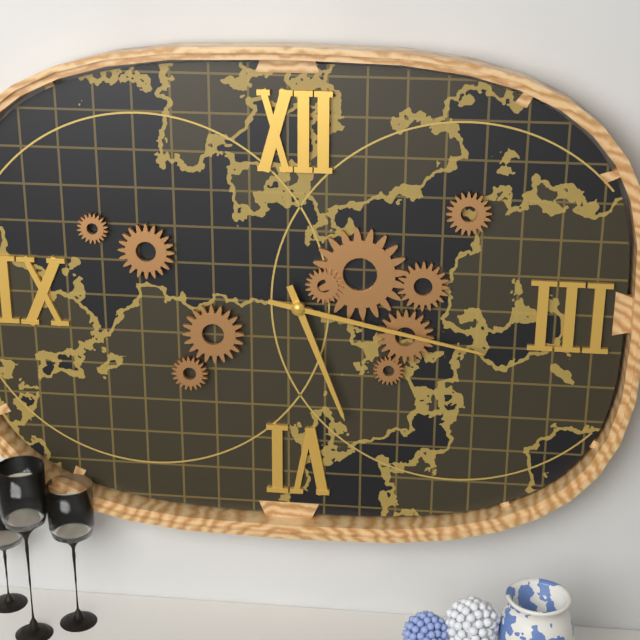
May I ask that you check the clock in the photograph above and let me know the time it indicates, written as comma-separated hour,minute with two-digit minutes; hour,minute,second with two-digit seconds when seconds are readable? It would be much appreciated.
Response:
5,17
